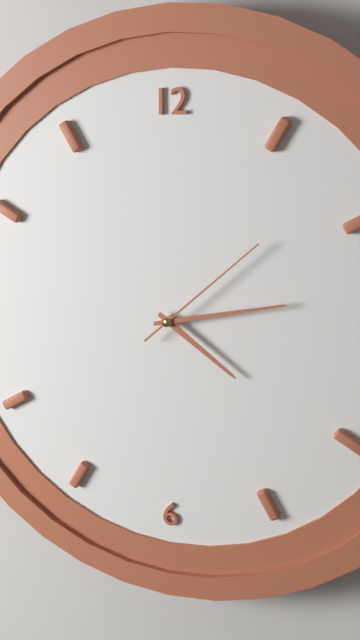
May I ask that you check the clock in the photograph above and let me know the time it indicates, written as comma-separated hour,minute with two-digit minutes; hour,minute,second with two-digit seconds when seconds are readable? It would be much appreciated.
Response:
4,13,08
